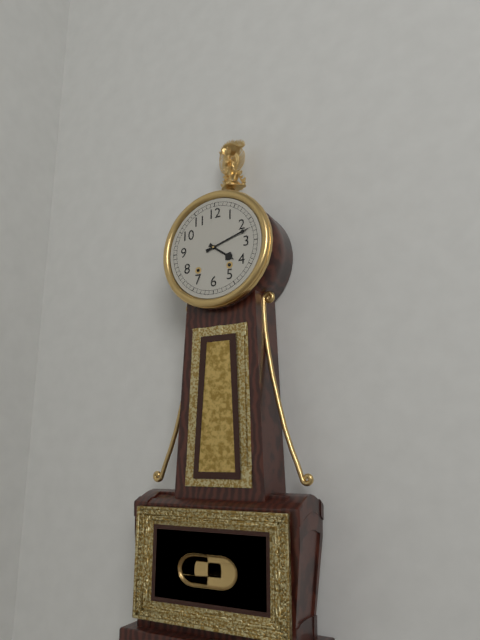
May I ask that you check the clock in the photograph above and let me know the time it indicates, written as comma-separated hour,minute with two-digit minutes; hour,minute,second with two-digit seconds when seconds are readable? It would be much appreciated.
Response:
4,12
